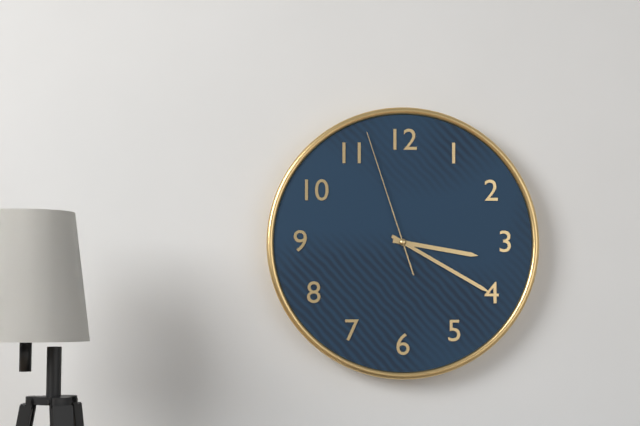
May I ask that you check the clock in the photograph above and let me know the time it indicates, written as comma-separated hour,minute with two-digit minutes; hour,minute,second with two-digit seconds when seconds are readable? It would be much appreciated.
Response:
3,20,57
